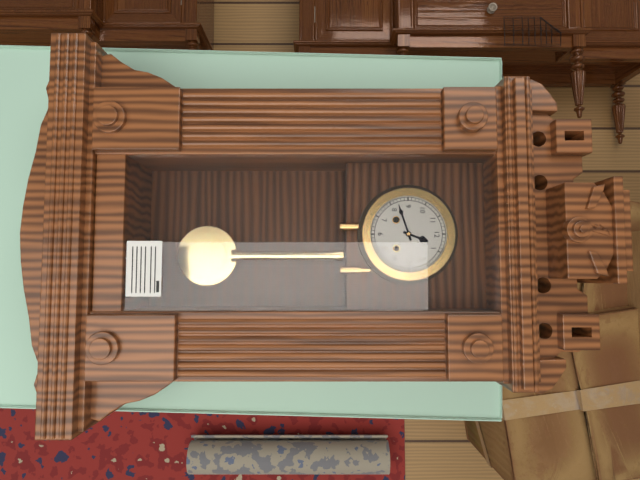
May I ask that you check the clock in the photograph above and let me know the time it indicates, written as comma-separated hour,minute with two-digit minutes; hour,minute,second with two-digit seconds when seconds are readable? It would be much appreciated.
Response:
12,42
